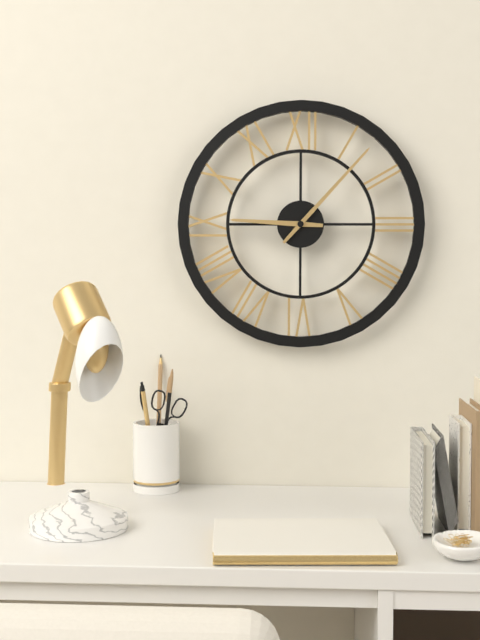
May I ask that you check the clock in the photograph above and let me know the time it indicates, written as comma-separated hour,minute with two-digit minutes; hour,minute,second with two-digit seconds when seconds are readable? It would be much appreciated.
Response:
9,07
